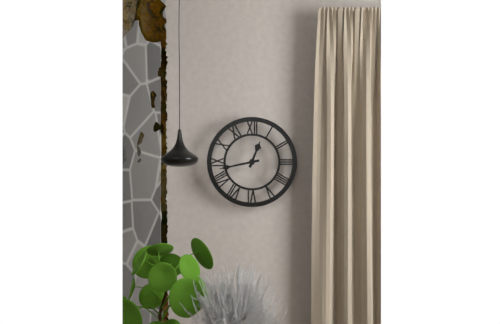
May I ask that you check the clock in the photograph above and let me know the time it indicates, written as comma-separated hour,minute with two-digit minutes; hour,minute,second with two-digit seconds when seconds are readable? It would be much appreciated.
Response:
12,43
